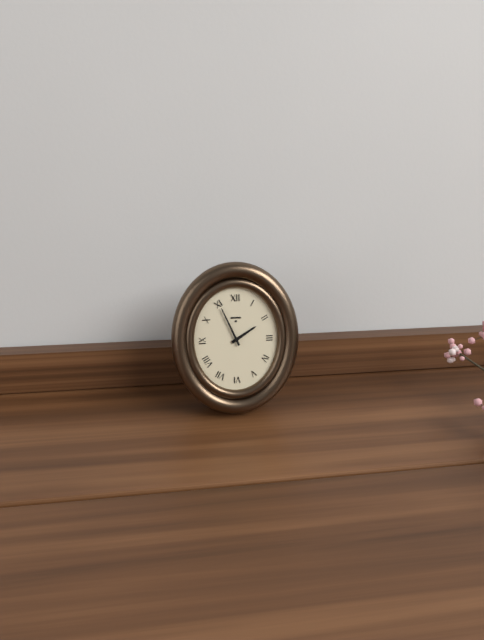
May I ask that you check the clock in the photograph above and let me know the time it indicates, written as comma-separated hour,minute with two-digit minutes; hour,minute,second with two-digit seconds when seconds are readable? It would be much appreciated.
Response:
1,56
